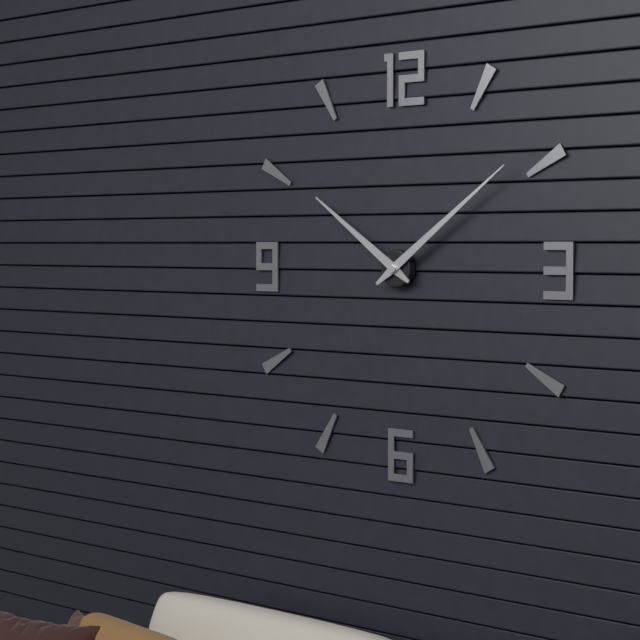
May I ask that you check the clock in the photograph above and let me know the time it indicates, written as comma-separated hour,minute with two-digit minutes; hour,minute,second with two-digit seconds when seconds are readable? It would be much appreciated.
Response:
10,09
